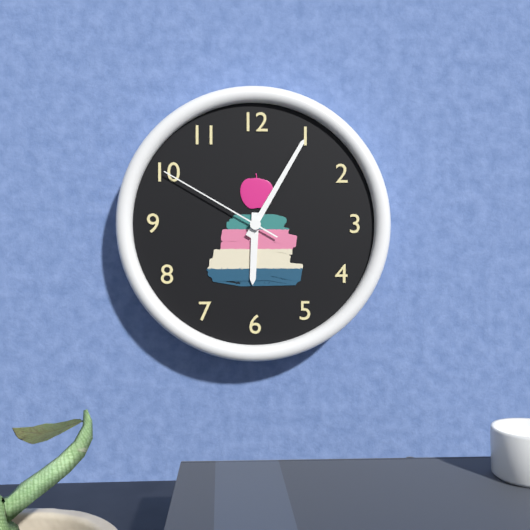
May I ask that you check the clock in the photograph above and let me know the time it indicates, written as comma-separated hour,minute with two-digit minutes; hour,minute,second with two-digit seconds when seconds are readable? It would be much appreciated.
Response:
6,05,50
